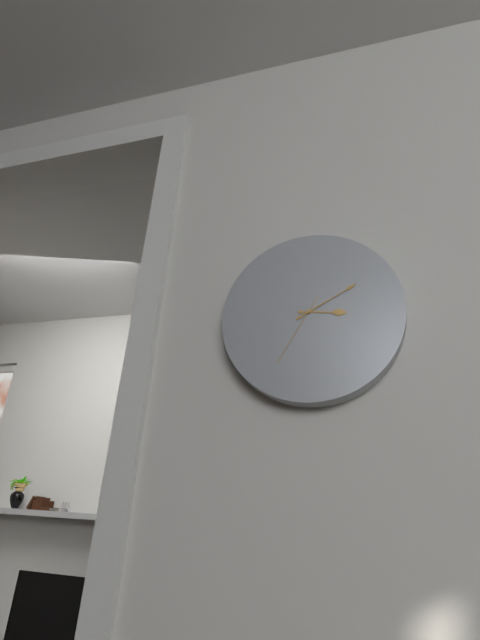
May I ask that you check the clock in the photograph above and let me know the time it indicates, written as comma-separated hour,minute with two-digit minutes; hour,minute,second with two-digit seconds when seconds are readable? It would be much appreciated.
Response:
3,10,35
